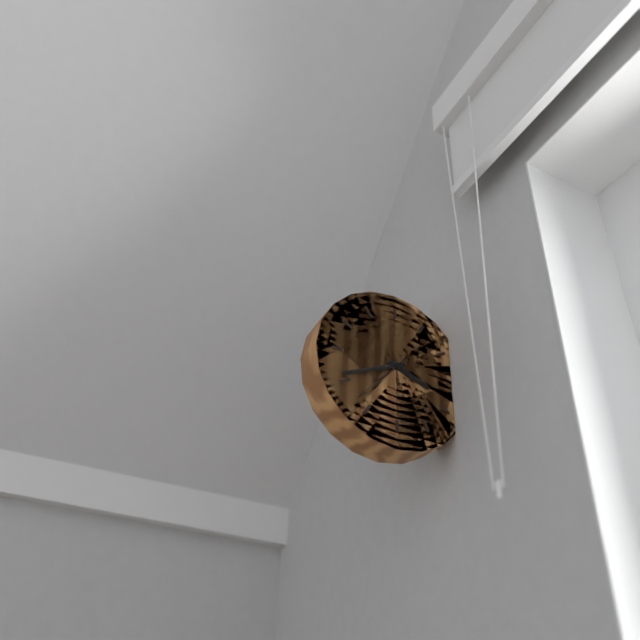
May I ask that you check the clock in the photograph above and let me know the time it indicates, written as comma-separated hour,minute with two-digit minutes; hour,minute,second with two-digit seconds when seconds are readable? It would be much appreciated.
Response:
3,41
